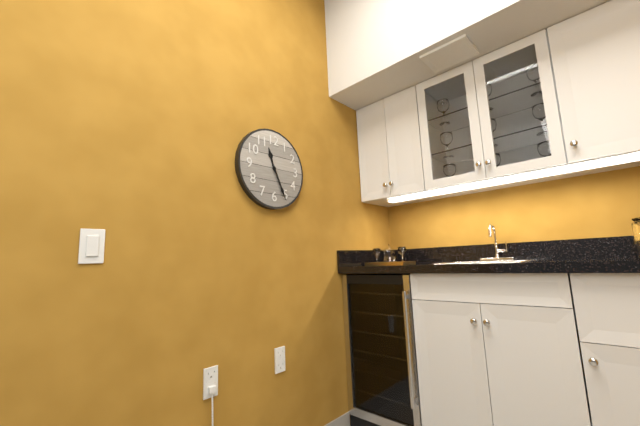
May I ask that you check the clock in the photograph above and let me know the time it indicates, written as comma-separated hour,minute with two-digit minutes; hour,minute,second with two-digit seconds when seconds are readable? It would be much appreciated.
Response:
11,26
